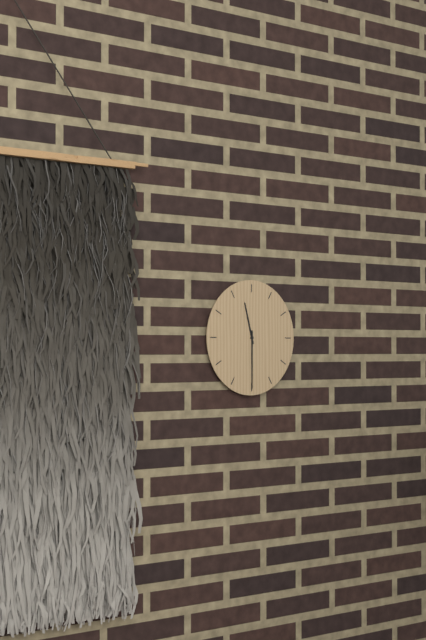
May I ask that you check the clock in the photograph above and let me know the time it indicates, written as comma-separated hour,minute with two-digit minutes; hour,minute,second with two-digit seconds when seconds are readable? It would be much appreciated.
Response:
11,30
